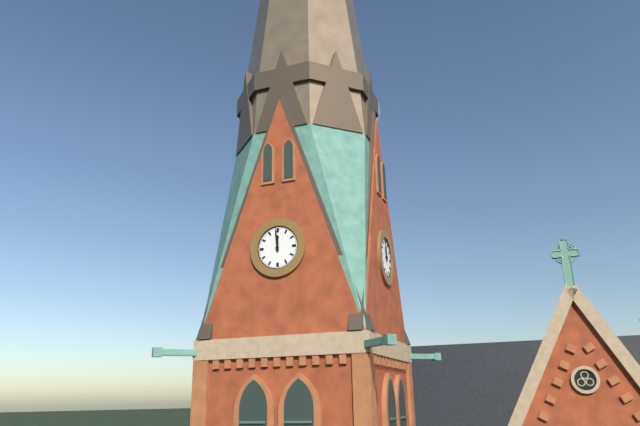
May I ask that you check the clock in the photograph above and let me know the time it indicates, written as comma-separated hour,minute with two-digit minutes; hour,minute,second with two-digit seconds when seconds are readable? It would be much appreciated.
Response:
11,59
